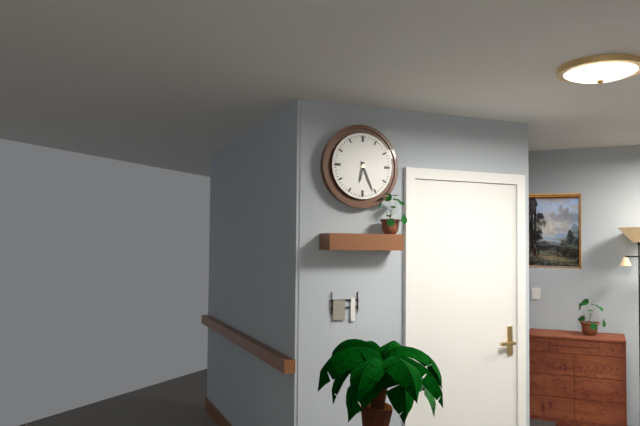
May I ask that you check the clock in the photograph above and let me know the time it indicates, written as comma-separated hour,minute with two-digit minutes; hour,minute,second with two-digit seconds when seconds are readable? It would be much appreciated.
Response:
6,26
